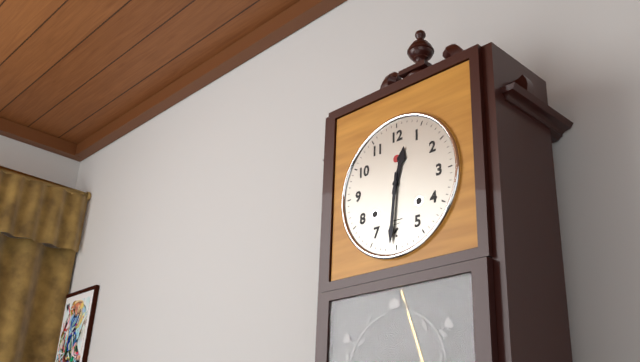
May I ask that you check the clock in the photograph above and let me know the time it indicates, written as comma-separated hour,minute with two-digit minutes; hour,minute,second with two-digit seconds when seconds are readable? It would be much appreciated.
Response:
12,31
